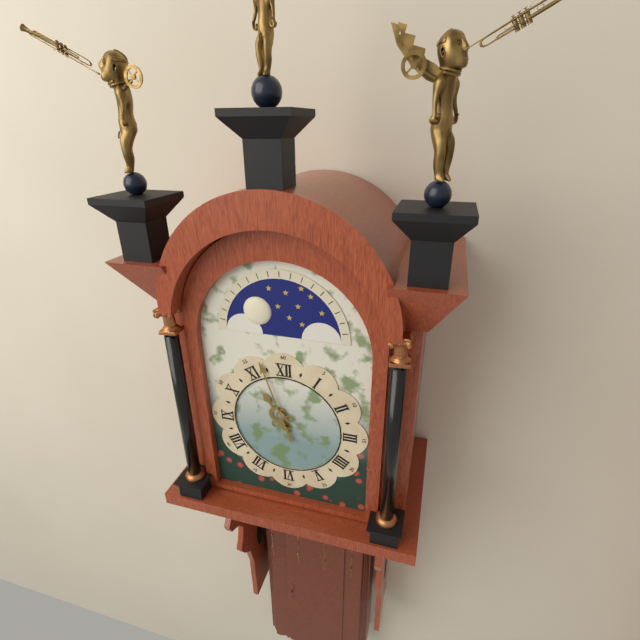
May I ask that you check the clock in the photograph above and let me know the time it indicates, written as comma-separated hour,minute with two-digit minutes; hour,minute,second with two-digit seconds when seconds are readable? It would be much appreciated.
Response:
10,57
